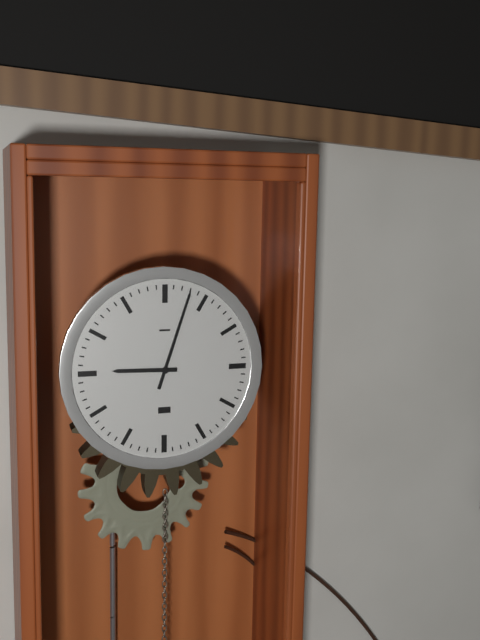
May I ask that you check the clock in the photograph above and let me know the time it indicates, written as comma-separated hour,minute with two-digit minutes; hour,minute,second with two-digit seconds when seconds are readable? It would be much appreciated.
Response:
9,03
